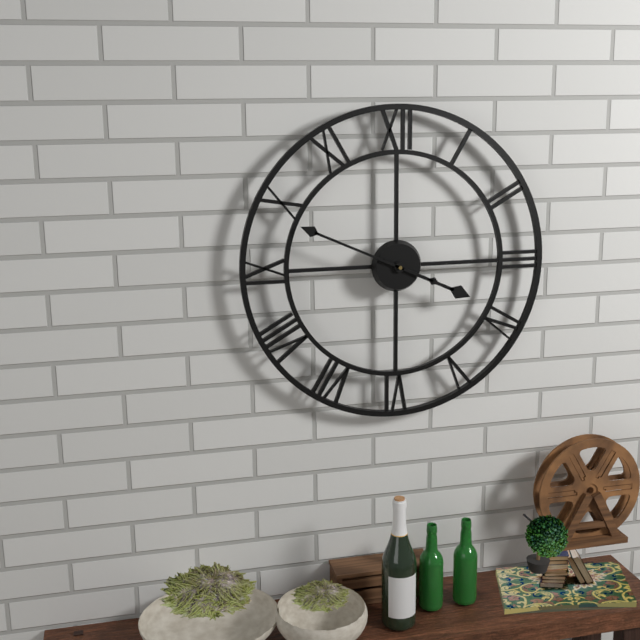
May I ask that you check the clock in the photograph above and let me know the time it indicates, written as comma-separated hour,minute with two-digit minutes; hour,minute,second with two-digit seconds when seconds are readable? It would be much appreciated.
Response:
3,49
